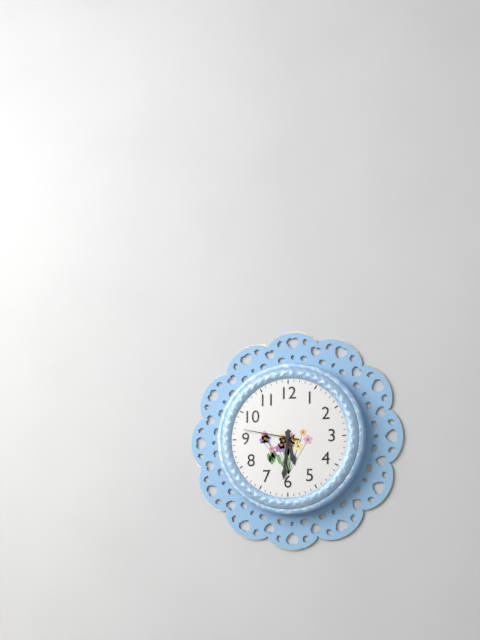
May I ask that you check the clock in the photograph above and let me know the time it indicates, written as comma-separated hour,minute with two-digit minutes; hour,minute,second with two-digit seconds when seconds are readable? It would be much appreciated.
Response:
5,31,47
